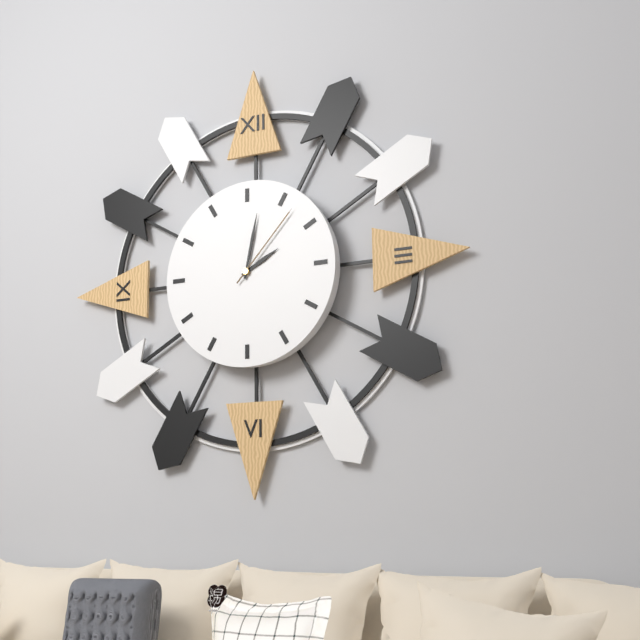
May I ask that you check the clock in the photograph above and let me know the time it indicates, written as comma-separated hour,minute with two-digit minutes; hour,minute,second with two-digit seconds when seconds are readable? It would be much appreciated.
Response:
2,02,07
